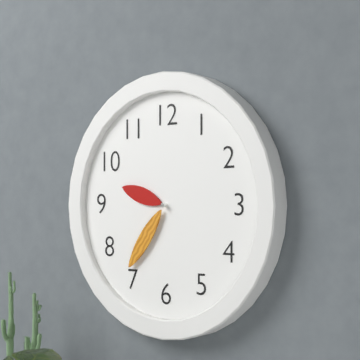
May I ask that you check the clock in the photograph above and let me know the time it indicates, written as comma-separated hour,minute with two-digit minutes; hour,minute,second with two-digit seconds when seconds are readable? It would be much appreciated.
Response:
9,36
